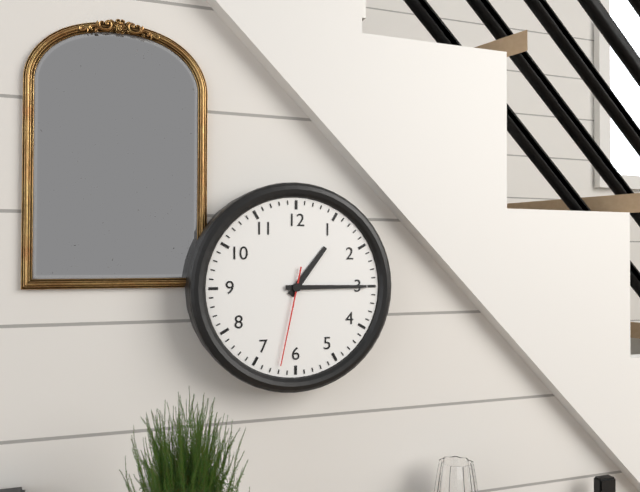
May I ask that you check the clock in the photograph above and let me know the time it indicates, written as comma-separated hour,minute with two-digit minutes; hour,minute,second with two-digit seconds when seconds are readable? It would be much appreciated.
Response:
1,15,32
